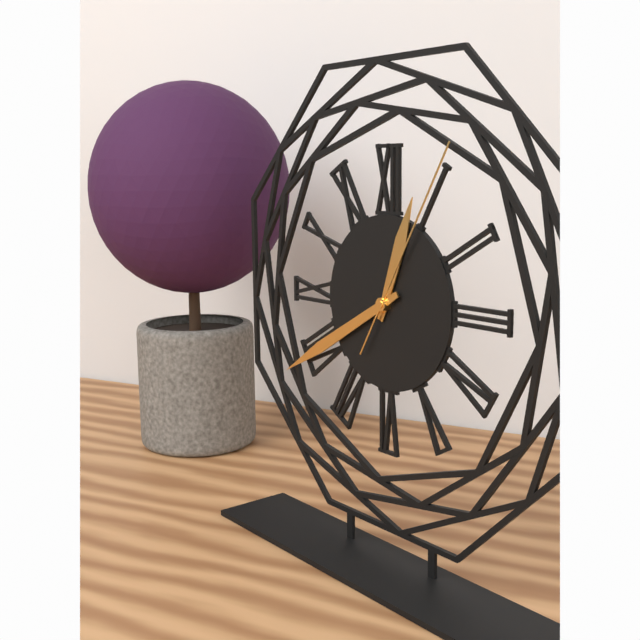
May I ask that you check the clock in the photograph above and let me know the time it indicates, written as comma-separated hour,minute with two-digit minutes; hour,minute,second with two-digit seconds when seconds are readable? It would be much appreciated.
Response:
12,40,05
